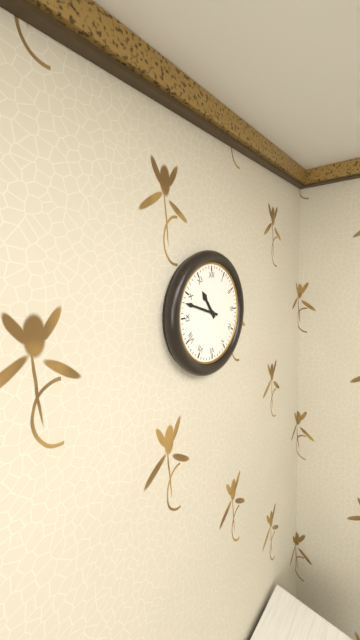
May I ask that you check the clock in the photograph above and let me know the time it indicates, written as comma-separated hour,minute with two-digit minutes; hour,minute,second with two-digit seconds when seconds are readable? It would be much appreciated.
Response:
10,48
